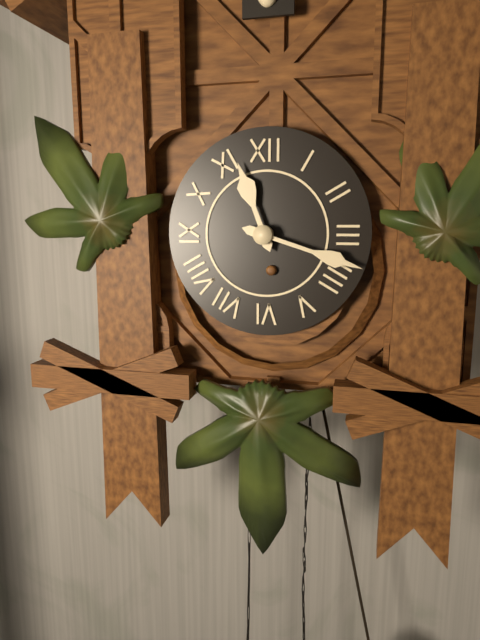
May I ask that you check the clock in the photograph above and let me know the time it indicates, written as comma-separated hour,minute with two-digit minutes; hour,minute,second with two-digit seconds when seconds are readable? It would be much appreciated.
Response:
11,18
